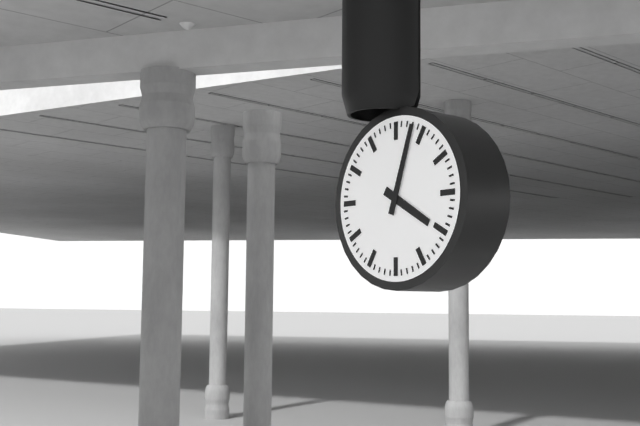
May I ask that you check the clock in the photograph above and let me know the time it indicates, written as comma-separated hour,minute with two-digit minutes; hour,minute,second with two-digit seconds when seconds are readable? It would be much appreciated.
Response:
4,03
